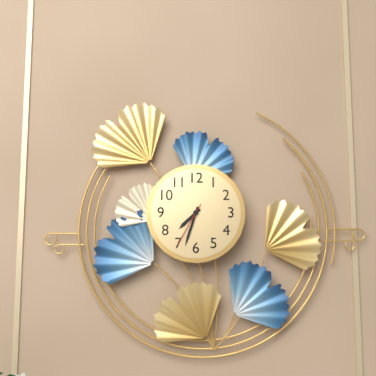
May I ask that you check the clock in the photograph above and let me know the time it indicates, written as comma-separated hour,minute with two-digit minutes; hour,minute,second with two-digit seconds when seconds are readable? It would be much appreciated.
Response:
7,33
